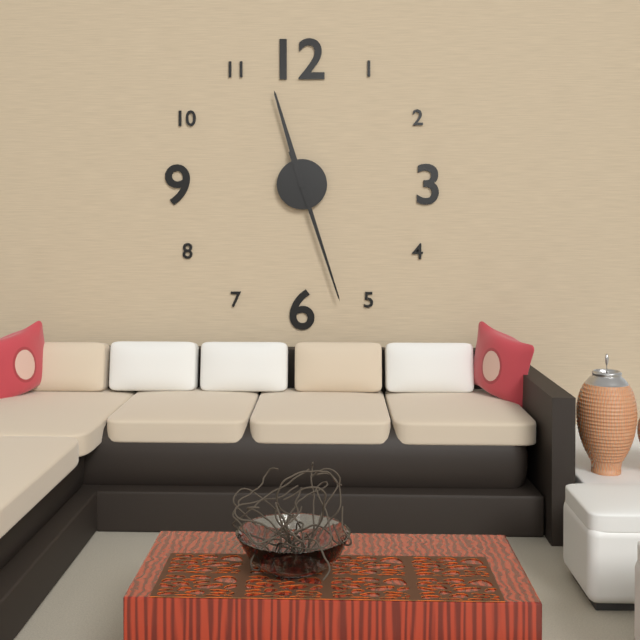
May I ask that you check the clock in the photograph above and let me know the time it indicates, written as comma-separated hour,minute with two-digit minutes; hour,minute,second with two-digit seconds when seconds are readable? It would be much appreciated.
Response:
11,27
